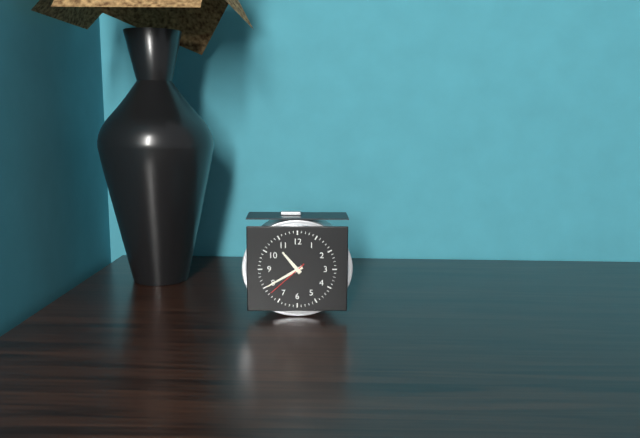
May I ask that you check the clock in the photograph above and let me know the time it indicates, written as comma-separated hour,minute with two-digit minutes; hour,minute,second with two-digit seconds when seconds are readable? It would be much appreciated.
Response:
10,40,38
